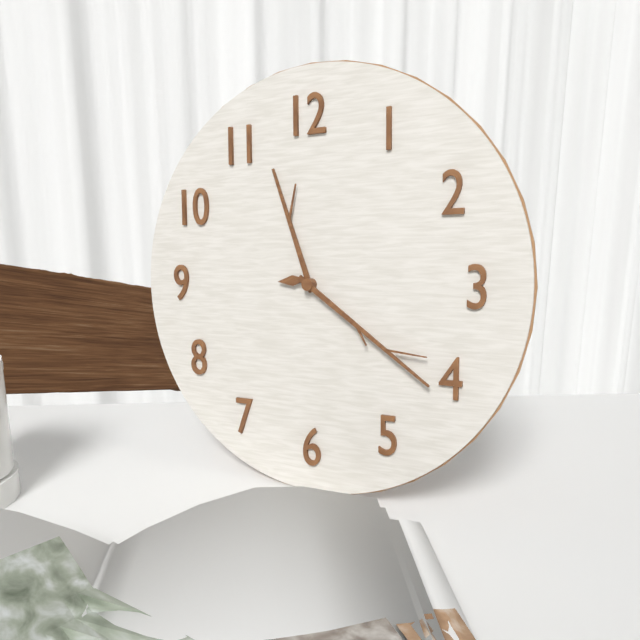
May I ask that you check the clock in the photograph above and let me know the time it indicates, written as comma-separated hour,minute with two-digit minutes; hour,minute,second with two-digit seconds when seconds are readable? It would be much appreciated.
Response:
11,21
